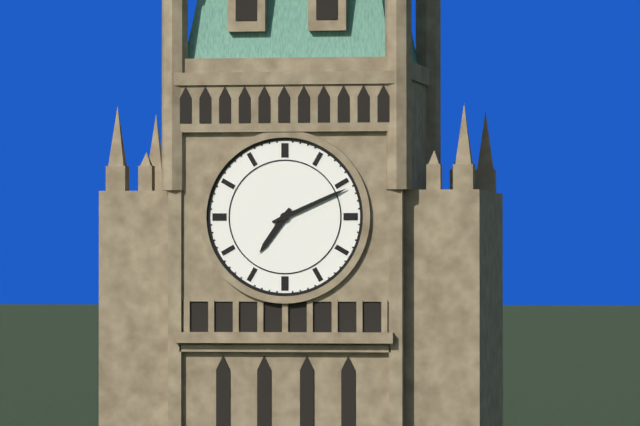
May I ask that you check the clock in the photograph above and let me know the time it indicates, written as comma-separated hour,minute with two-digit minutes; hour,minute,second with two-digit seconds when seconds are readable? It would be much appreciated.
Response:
7,11
